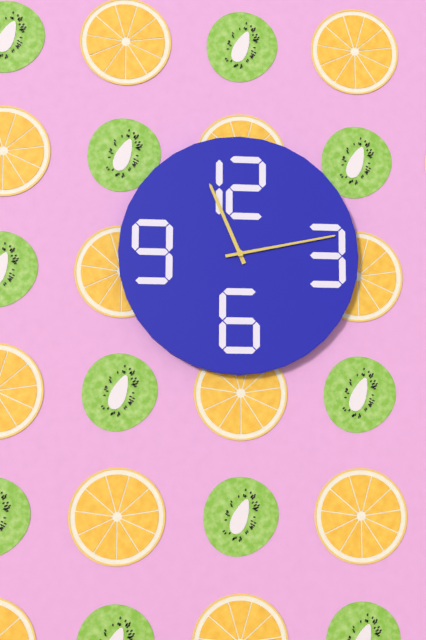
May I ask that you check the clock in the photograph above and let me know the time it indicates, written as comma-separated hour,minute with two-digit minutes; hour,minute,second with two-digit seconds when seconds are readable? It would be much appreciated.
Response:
11,13
